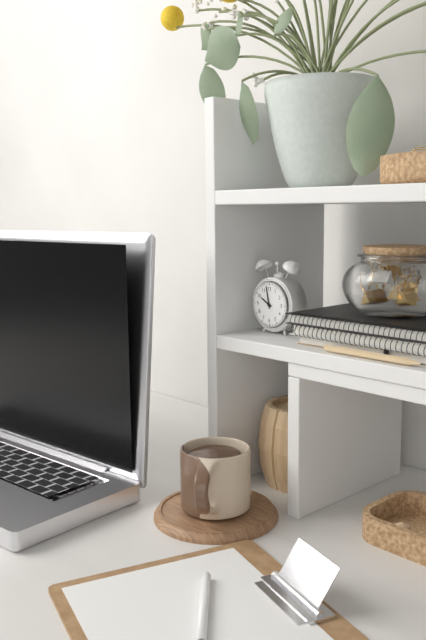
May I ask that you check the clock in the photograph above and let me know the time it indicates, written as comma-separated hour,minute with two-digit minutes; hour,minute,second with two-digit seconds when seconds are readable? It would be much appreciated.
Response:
9,58
